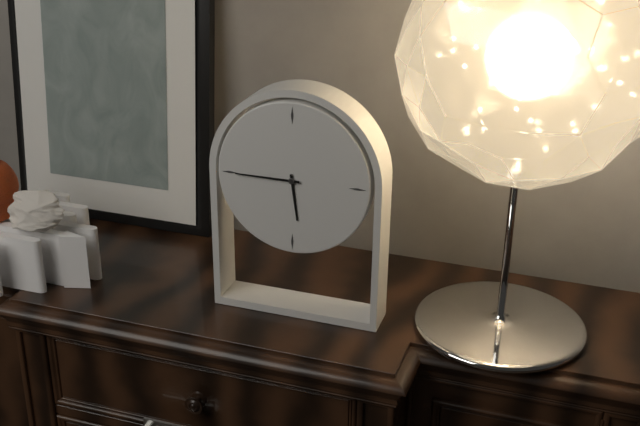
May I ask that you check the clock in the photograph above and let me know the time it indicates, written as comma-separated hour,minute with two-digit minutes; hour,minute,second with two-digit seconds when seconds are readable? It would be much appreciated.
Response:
5,45
